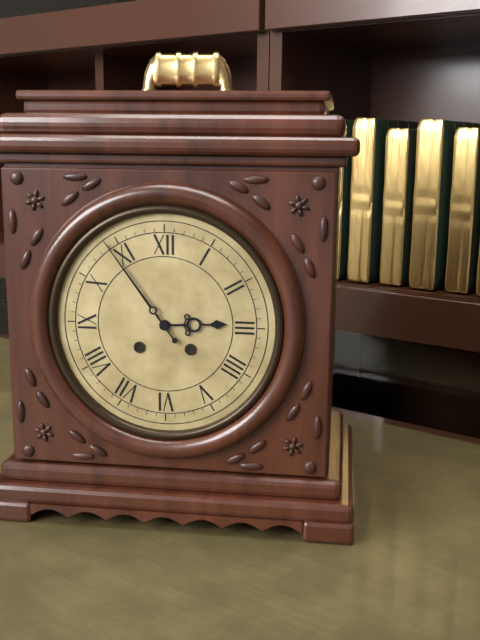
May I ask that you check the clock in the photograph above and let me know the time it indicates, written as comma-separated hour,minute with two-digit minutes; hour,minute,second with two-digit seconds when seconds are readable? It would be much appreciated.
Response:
2,54
